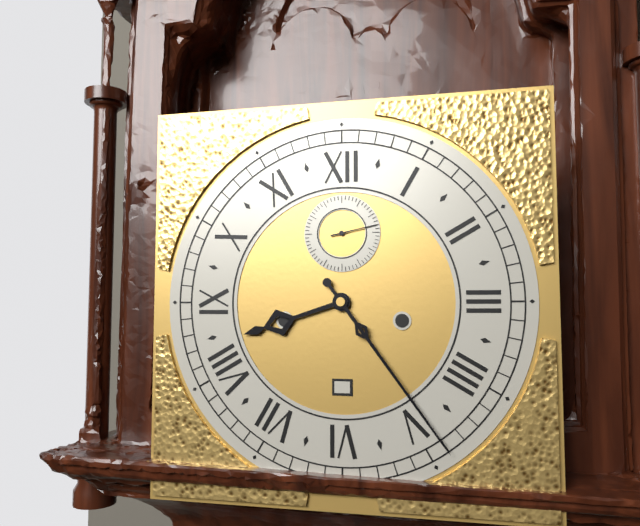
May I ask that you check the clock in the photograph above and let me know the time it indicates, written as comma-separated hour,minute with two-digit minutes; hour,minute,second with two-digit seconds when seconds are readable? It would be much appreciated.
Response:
8,24
